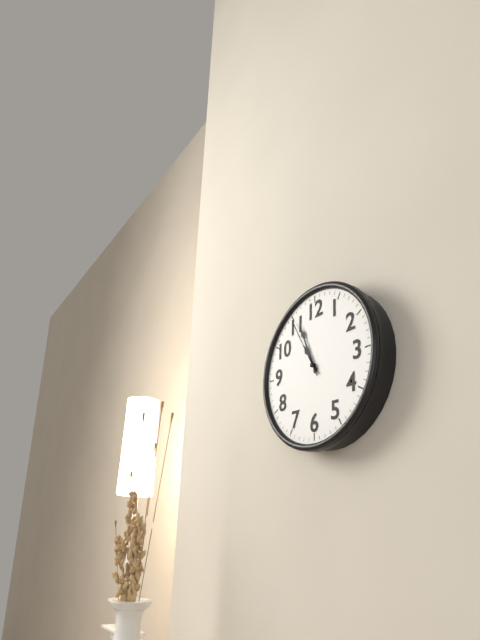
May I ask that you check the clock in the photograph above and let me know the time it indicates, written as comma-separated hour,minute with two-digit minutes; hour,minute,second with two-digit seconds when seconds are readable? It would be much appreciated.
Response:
10,56,55
